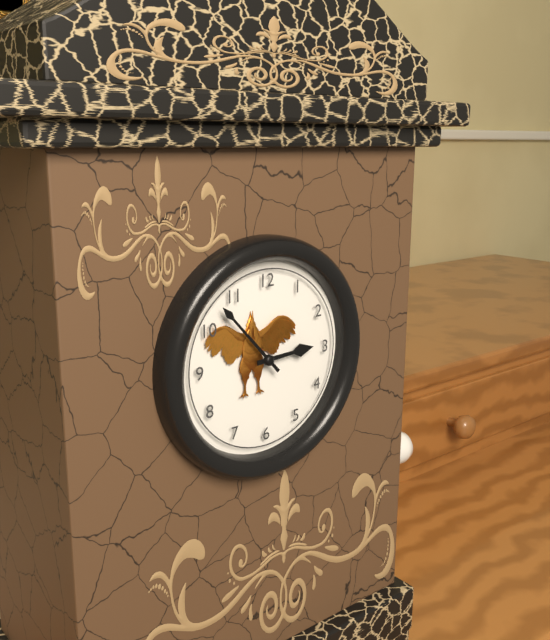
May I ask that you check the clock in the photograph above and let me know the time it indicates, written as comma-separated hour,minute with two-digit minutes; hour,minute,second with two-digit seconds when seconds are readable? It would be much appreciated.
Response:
2,53
